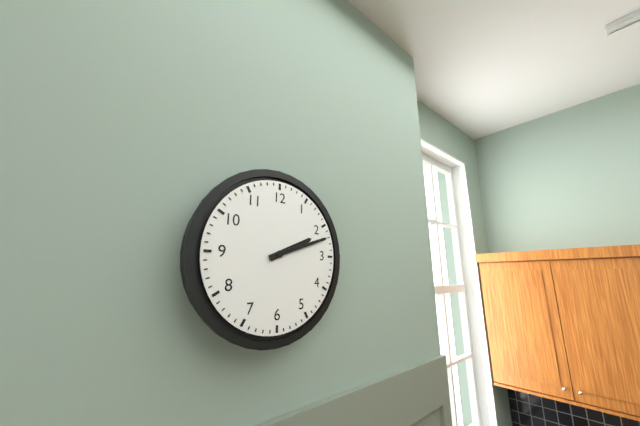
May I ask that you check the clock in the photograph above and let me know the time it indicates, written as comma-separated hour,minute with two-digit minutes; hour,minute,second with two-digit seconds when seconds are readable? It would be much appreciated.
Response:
2,12
